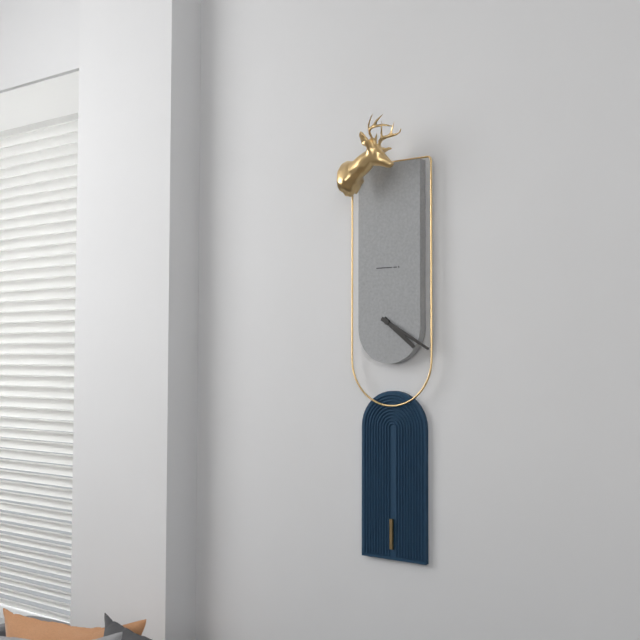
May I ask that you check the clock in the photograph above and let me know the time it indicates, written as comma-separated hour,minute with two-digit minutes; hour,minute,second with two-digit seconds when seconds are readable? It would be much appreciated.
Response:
4,20
